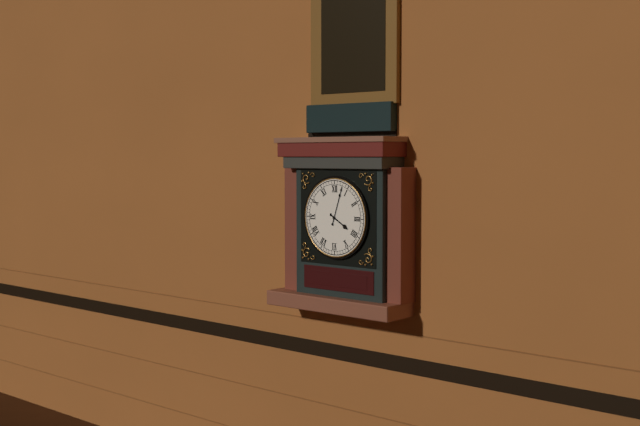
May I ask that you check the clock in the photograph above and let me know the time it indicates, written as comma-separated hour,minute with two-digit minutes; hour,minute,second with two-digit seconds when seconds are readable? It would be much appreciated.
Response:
4,03
